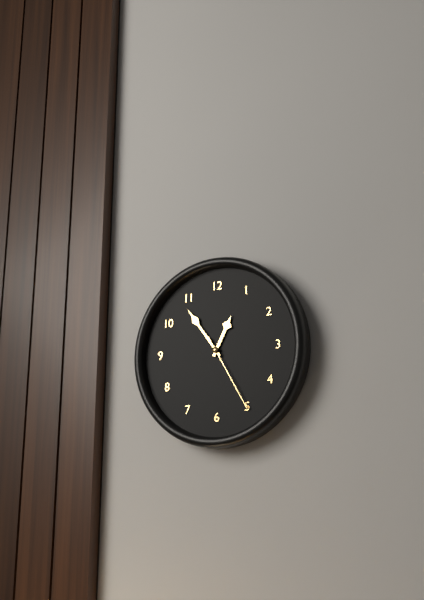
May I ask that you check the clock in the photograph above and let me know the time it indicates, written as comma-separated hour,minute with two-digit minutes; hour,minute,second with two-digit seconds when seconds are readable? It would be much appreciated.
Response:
12,54,25
